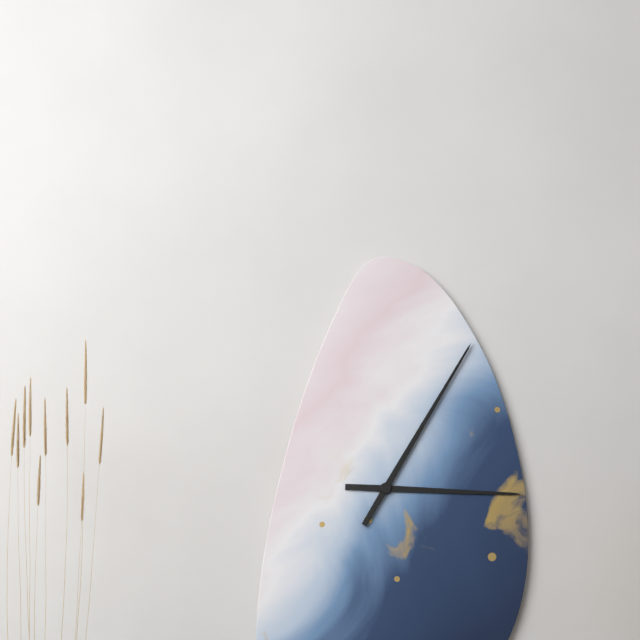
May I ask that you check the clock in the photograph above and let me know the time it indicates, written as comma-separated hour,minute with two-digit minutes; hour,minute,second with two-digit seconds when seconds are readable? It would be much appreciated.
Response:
3,05
